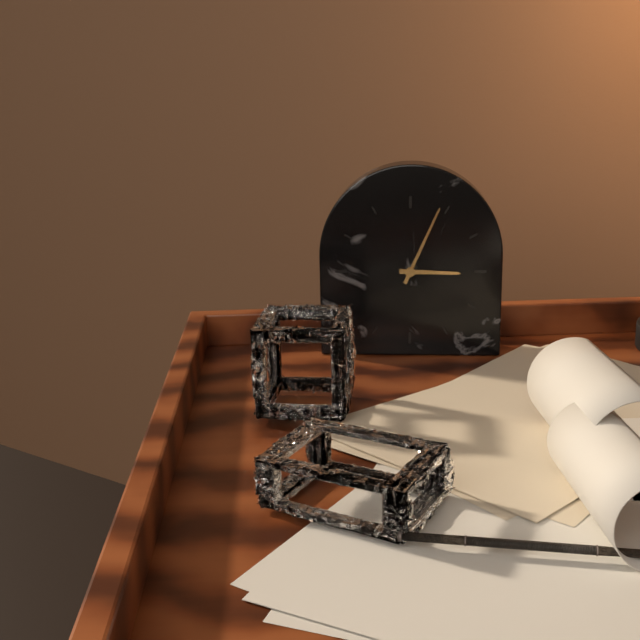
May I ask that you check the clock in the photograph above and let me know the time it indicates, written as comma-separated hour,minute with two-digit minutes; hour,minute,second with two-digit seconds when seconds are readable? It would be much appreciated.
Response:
3,04
